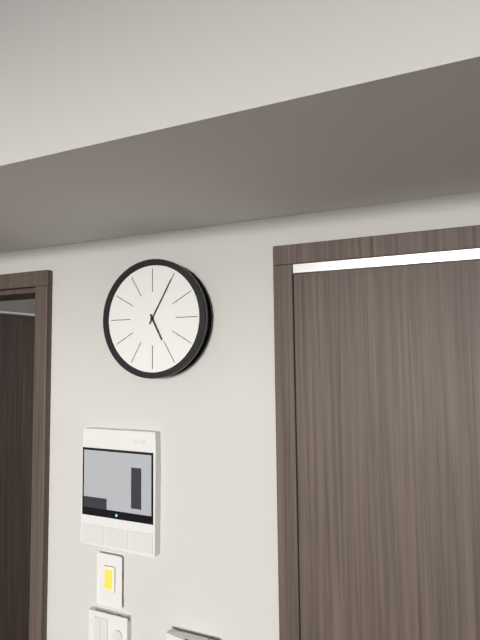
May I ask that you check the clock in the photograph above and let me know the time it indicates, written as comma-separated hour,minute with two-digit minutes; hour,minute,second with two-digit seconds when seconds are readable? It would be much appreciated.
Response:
5,05
